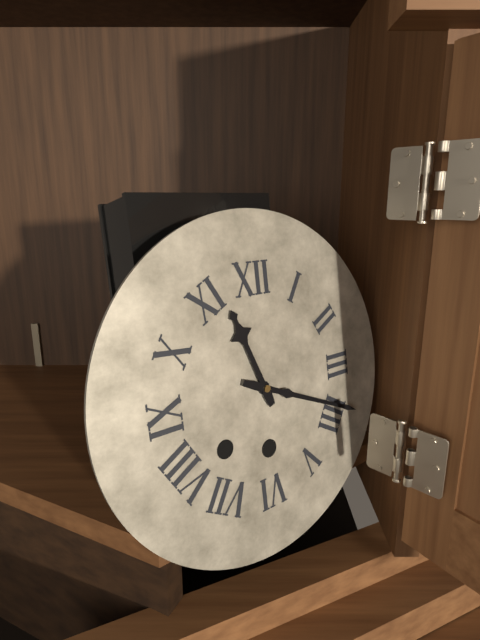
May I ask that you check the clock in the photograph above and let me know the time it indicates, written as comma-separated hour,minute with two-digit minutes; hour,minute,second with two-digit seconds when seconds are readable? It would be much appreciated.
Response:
11,19
